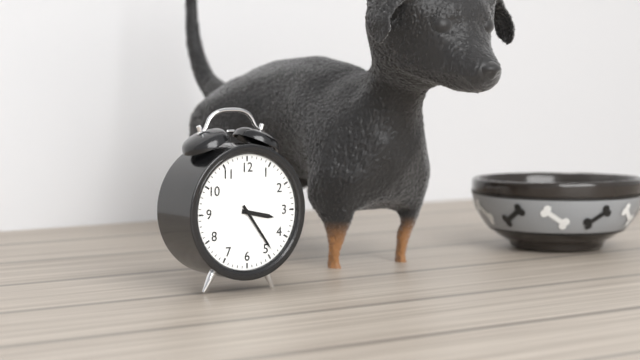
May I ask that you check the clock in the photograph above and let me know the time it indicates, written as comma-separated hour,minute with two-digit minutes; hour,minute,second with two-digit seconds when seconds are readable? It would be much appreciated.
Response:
3,24
